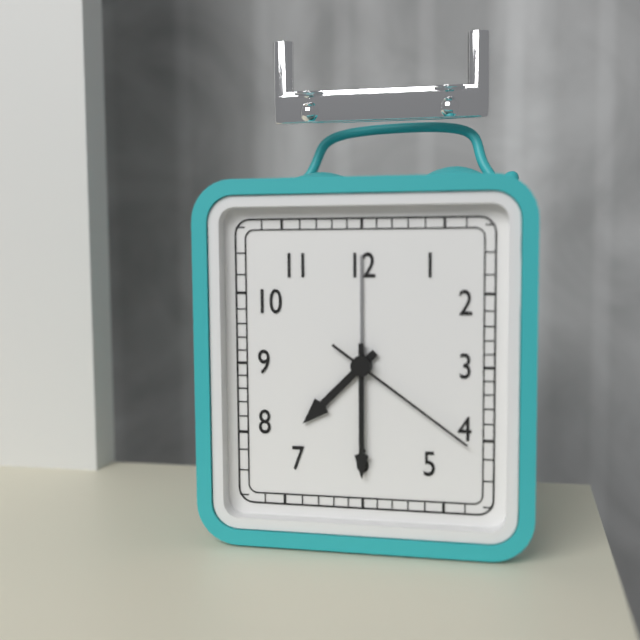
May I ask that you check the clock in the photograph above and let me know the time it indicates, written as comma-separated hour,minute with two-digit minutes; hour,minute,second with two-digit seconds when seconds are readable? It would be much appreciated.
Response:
7,30,21
